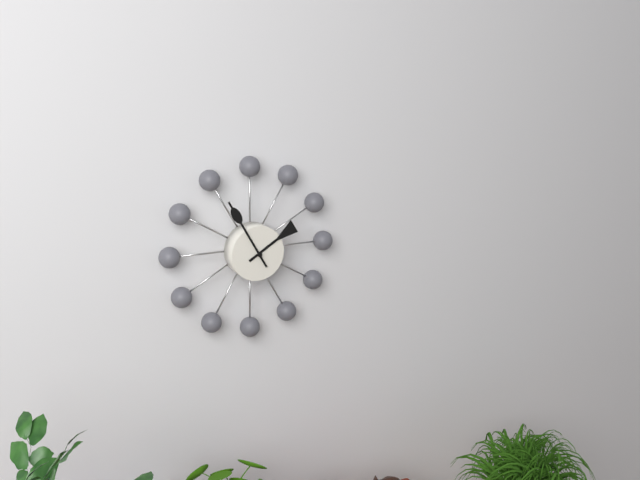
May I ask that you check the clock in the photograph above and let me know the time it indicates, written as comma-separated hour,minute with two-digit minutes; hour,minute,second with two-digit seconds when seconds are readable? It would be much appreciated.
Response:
1,55
